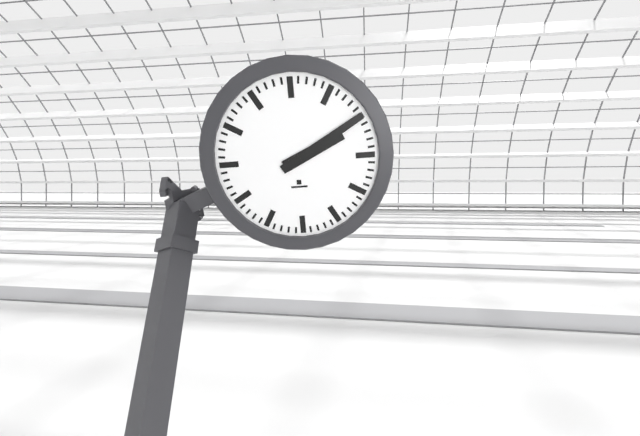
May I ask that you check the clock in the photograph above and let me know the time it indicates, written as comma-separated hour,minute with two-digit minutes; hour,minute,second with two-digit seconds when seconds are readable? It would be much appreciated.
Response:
2,10
